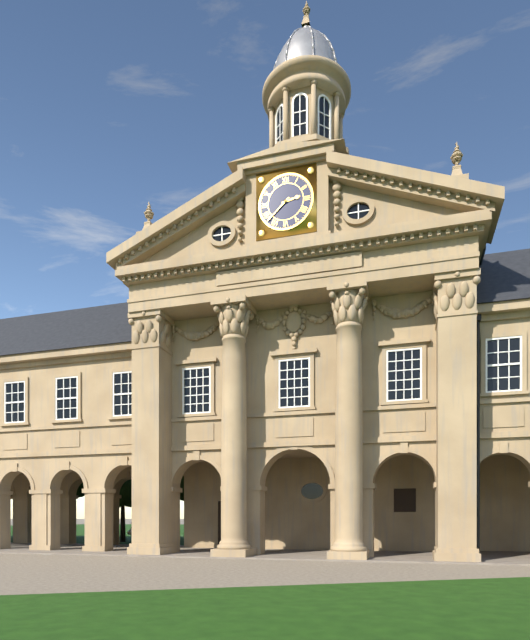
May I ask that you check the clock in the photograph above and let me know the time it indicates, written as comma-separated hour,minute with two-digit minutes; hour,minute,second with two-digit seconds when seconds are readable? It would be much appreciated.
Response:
2,38
